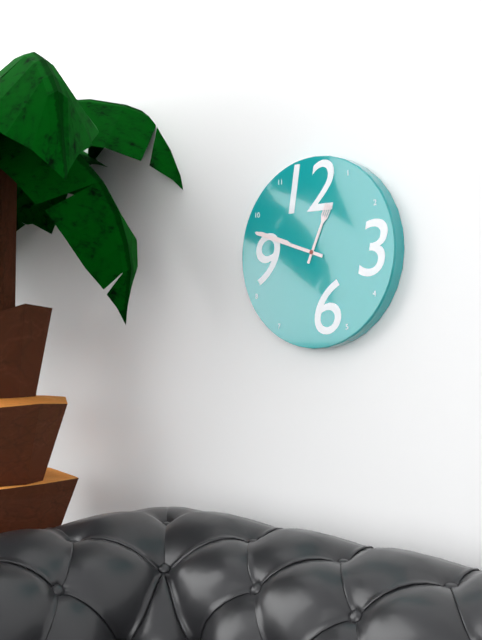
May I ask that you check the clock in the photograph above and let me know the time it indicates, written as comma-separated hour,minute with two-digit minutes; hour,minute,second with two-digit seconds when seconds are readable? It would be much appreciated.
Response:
12,48
